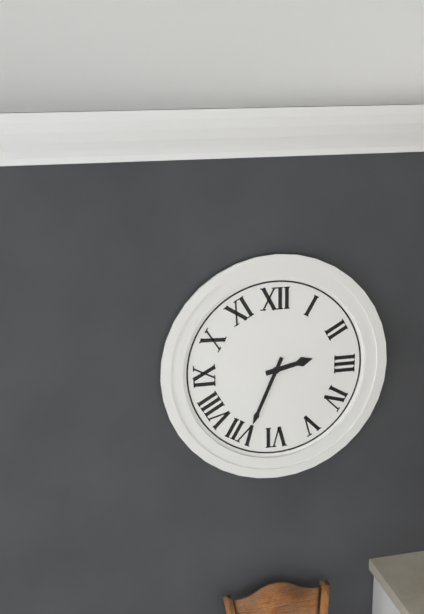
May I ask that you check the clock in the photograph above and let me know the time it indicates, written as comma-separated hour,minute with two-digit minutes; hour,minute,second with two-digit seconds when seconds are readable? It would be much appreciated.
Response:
2,34
